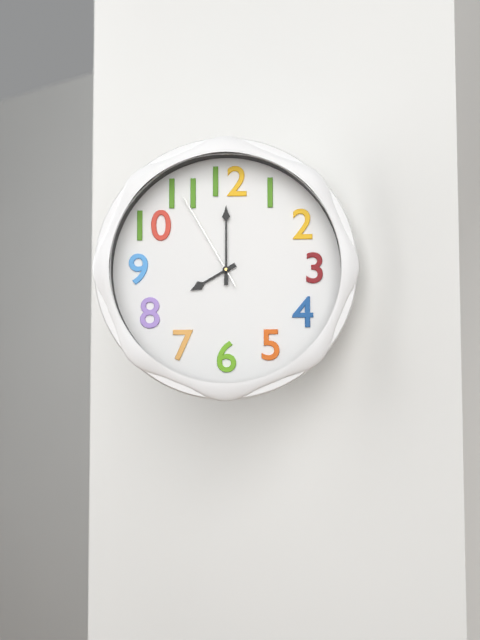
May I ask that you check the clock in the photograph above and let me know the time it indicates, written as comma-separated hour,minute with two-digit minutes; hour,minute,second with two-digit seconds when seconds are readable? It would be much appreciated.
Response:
8,00,55
